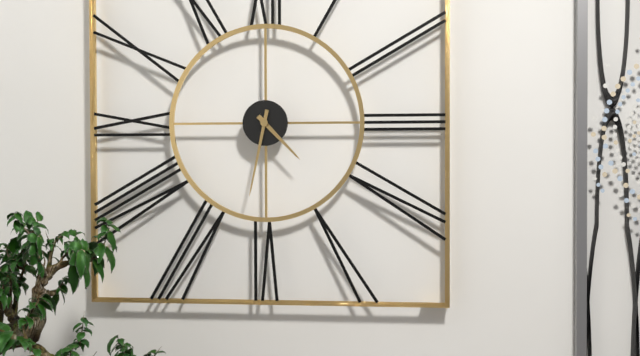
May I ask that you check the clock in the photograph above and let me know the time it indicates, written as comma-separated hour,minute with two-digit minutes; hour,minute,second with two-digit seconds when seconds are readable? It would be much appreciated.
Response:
4,32
